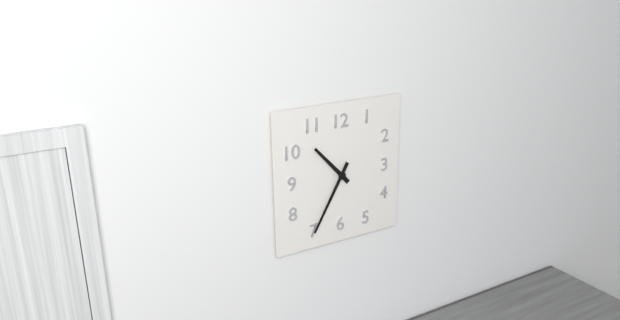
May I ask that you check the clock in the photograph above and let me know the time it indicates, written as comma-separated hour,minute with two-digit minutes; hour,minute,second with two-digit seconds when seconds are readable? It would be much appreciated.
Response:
10,35
